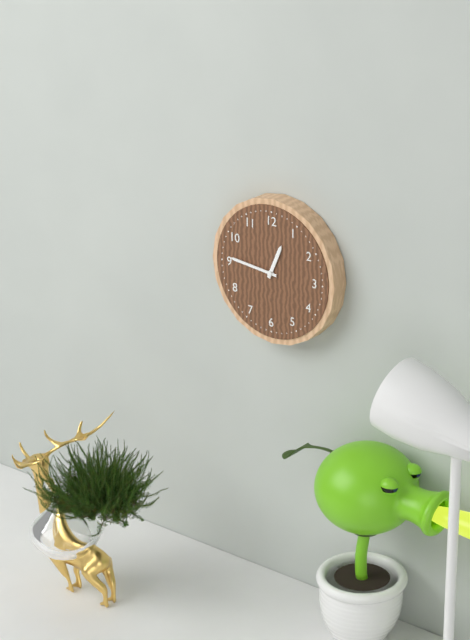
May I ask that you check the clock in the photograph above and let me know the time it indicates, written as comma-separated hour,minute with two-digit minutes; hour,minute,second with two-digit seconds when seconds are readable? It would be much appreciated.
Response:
12,46
